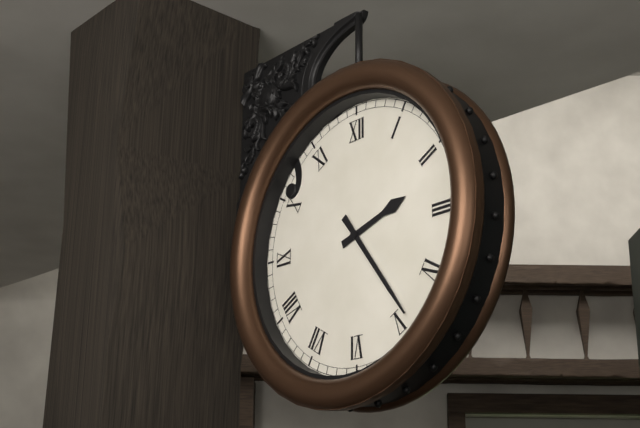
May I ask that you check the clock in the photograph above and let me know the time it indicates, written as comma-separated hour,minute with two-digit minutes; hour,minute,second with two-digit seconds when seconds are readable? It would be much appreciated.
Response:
2,24
